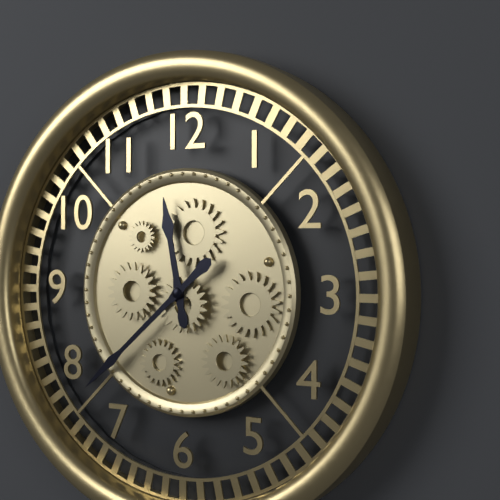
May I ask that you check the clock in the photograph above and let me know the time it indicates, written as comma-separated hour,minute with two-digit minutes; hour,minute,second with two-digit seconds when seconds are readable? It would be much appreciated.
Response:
11,38
